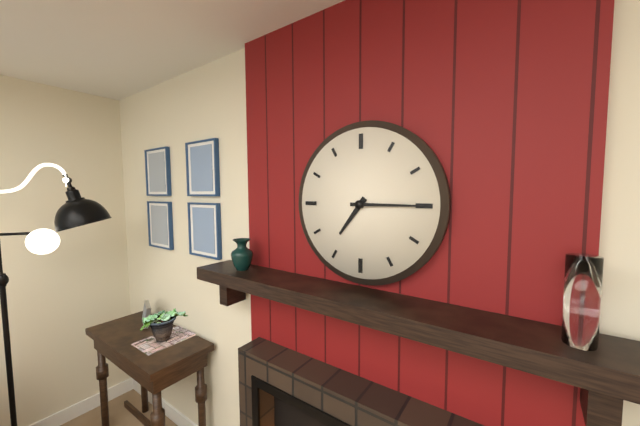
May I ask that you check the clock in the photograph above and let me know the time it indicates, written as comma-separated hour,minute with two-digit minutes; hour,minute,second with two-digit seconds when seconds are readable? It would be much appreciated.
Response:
7,15
